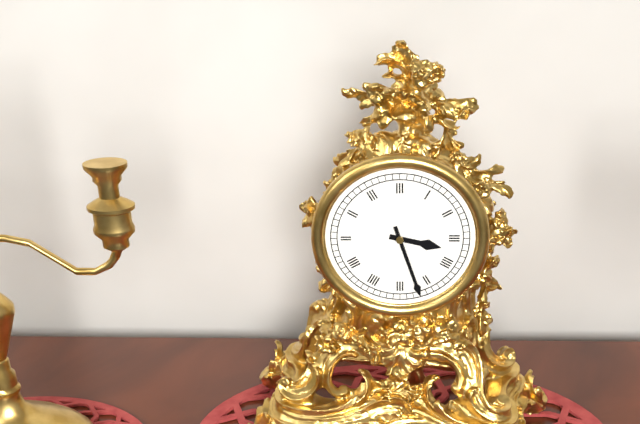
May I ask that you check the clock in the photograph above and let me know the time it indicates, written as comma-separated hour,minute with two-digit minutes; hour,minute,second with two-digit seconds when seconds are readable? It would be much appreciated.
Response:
3,27
